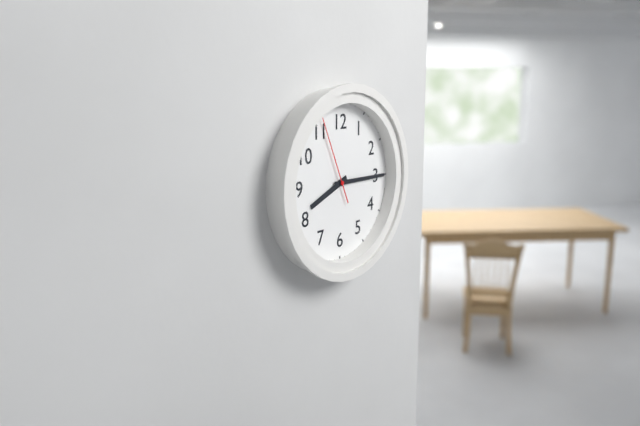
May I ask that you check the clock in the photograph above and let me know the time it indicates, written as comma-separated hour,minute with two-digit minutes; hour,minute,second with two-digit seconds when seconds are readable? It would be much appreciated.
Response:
8,15,56
